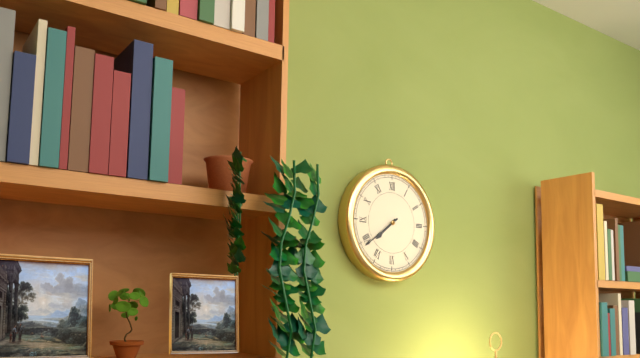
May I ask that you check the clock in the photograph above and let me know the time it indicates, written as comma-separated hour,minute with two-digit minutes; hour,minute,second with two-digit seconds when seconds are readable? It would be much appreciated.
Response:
7,39
